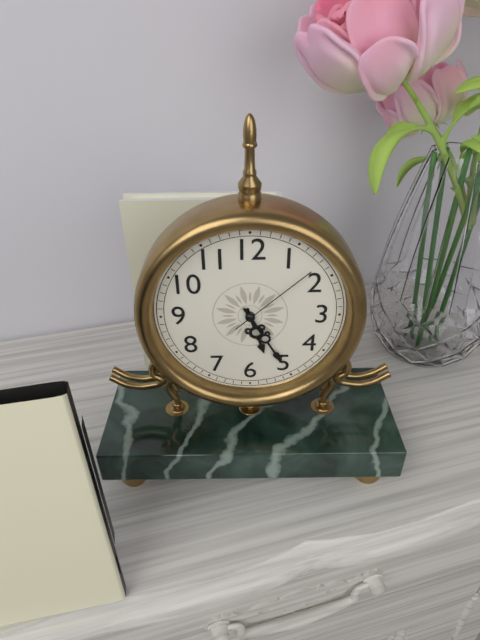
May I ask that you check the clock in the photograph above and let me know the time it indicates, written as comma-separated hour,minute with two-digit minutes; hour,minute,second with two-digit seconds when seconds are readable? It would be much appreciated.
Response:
5,25,08
